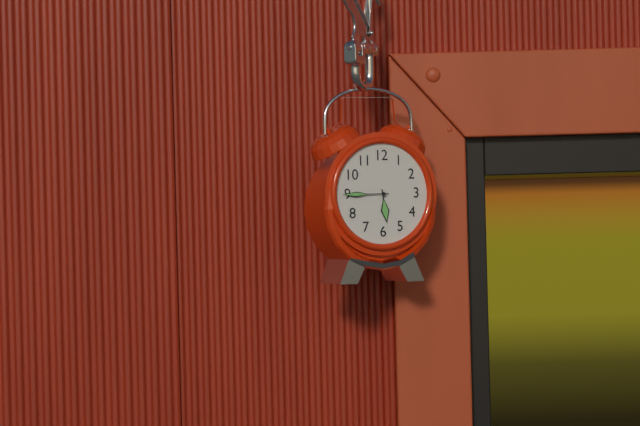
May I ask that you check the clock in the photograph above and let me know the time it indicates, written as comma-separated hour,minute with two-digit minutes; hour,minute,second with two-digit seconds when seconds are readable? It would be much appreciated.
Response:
5,45
